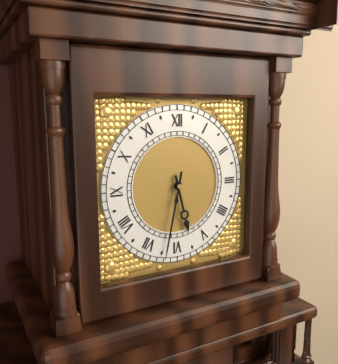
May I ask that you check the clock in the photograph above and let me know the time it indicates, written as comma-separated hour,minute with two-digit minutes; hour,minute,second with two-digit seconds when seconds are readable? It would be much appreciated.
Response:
5,32
